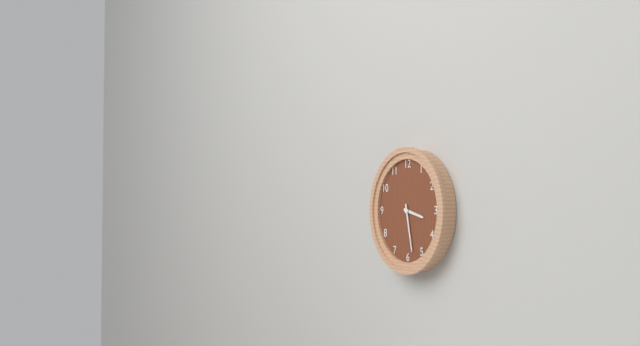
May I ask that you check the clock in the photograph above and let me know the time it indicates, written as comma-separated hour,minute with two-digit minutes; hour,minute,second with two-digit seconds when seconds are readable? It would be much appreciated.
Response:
3,28
